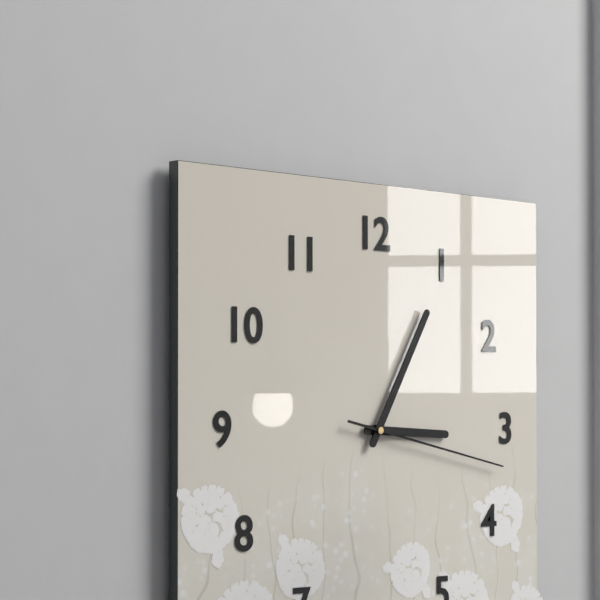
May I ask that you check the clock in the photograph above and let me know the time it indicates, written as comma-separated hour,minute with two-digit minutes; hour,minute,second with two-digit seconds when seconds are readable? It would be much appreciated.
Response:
3,05,17
